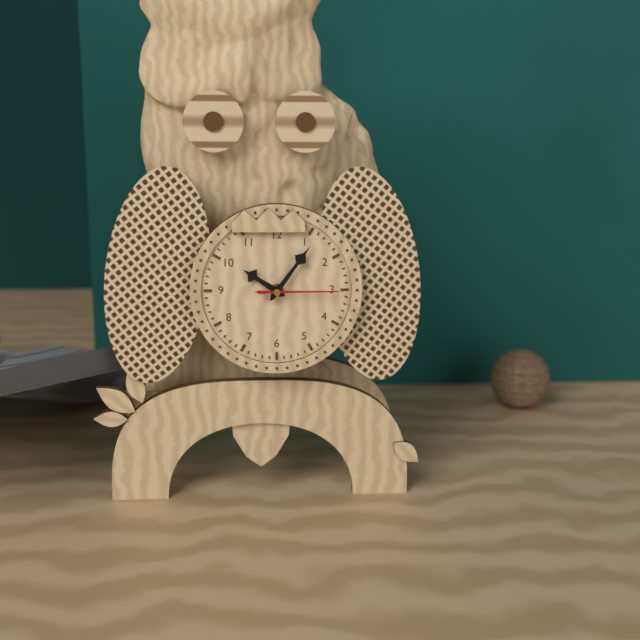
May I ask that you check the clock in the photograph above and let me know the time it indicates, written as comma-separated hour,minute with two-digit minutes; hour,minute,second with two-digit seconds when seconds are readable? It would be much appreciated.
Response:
10,06,15
